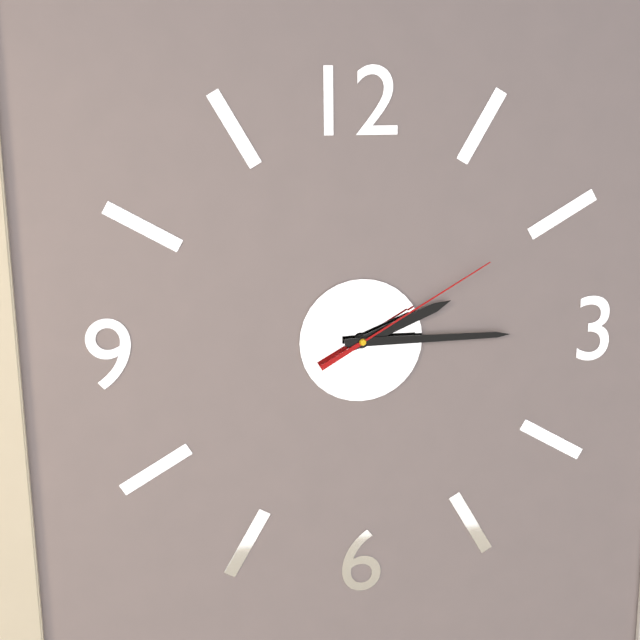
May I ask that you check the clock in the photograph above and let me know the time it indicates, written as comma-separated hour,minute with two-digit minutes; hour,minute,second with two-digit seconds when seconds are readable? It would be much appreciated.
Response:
2,15,10
